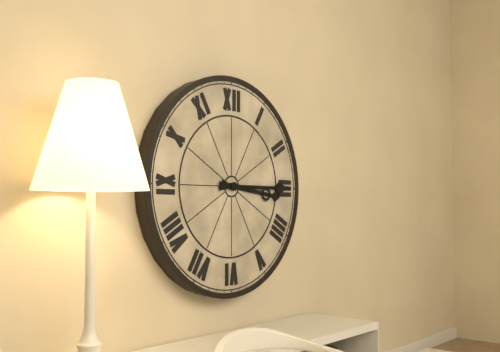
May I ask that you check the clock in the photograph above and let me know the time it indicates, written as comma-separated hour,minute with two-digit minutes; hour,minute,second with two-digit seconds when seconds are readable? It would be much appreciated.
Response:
3,15
